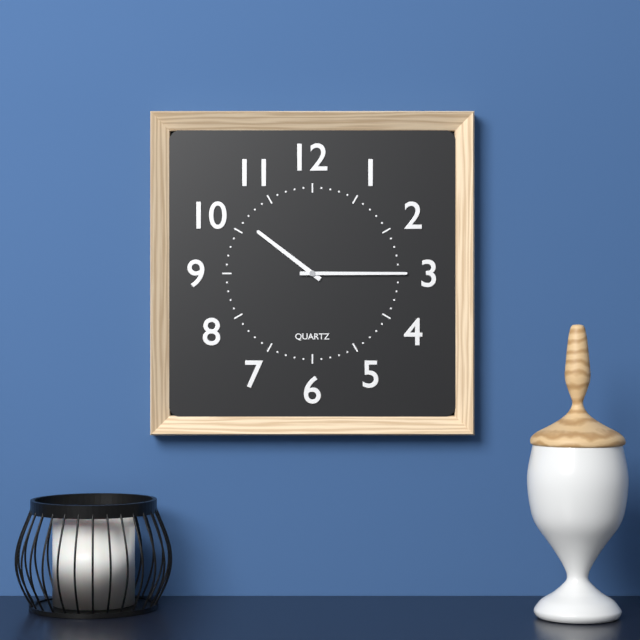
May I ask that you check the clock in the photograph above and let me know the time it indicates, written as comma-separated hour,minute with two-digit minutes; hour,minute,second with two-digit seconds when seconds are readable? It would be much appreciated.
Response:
10,15
